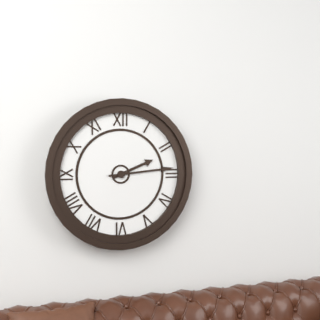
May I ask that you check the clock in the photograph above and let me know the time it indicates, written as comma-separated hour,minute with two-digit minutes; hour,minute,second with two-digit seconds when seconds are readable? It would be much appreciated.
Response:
2,14
